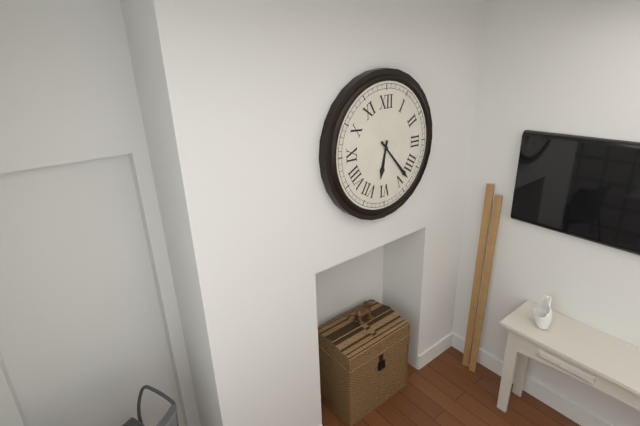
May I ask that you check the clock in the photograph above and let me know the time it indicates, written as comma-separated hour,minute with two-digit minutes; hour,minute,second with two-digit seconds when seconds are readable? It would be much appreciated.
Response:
6,23
